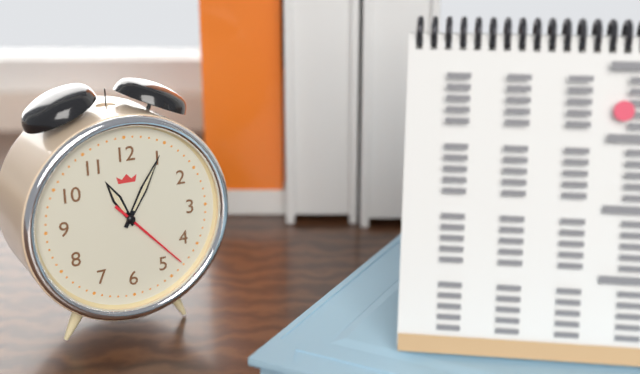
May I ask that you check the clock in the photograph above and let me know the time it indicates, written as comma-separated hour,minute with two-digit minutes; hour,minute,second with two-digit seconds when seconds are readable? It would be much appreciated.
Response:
11,05,23
